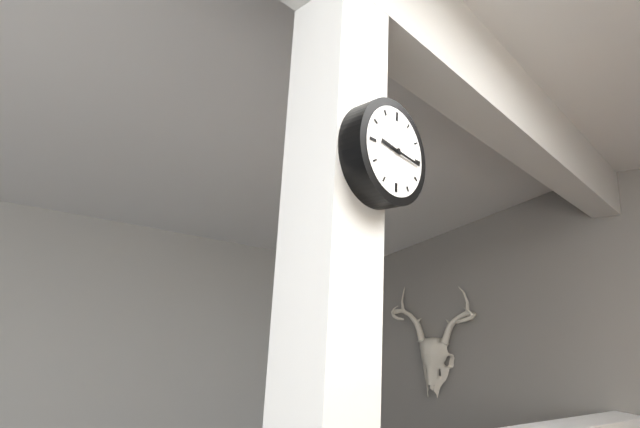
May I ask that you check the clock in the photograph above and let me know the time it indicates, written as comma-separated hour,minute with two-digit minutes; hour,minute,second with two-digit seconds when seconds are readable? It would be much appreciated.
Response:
9,16
